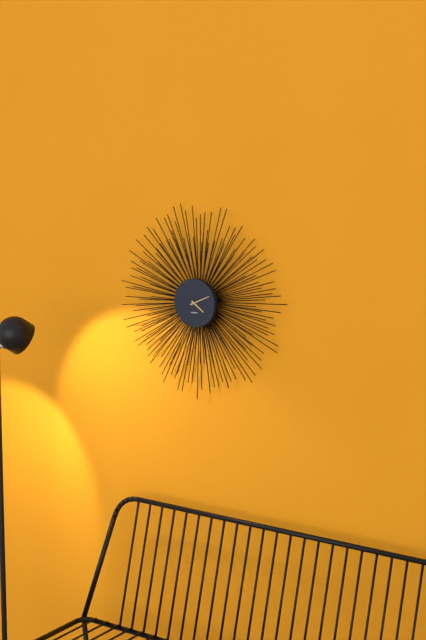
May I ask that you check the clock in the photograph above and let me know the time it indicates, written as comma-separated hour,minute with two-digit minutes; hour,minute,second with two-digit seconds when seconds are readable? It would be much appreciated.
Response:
4,11
